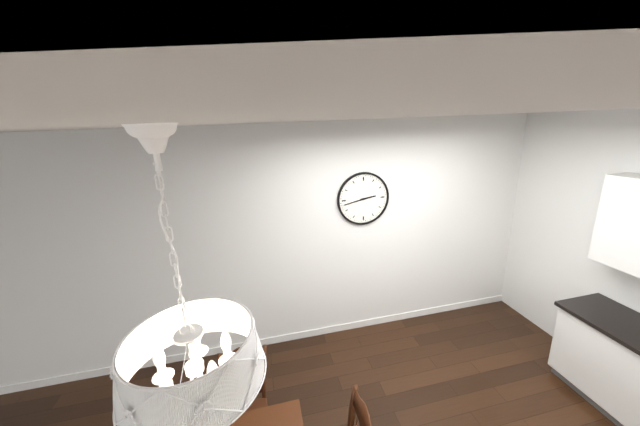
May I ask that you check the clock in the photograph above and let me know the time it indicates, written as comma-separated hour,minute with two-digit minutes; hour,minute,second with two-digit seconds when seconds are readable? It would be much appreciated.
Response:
2,43
